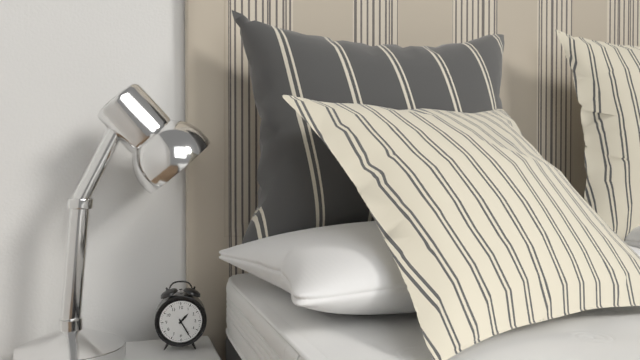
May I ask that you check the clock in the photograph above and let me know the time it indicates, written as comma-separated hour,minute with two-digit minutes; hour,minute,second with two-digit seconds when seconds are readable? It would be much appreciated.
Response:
1,25
